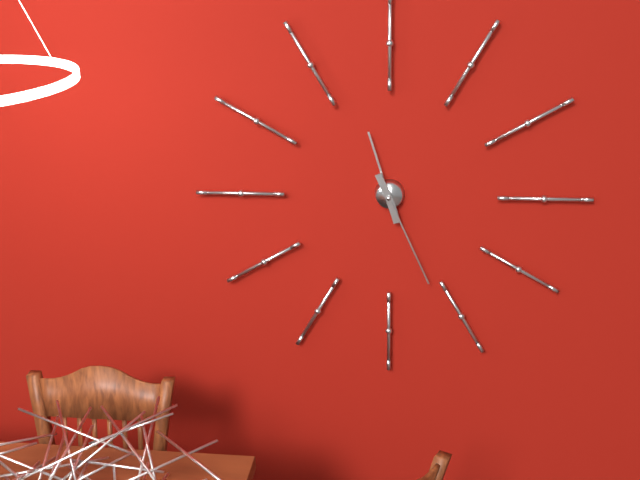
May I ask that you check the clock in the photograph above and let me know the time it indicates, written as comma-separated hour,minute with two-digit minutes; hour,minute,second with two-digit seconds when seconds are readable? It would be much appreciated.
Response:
11,26
